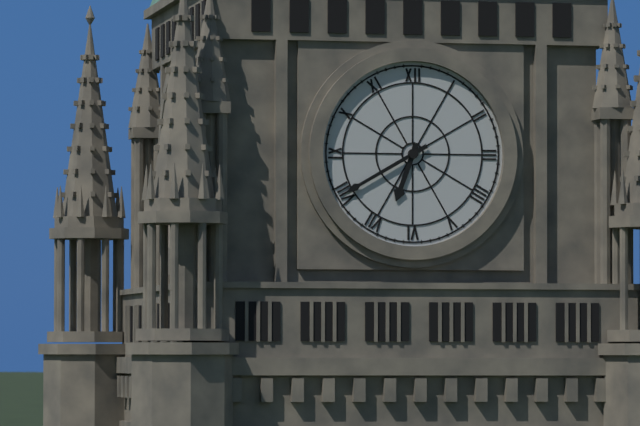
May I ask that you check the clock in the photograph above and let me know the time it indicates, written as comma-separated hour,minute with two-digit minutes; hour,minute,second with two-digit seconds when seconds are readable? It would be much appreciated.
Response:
6,40
